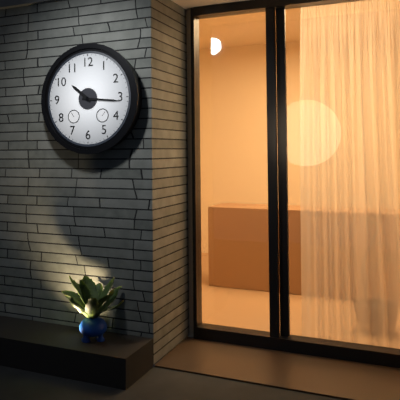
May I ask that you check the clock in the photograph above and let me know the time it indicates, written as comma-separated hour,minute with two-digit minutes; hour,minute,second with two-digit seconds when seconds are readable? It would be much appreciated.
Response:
10,16
